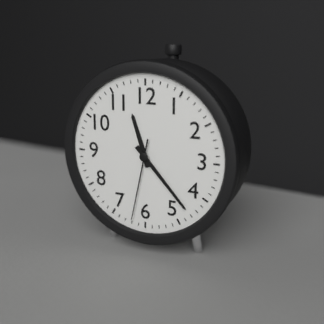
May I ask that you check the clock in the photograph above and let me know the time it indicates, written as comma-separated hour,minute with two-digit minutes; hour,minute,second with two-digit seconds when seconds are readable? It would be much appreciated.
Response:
11,23,32
